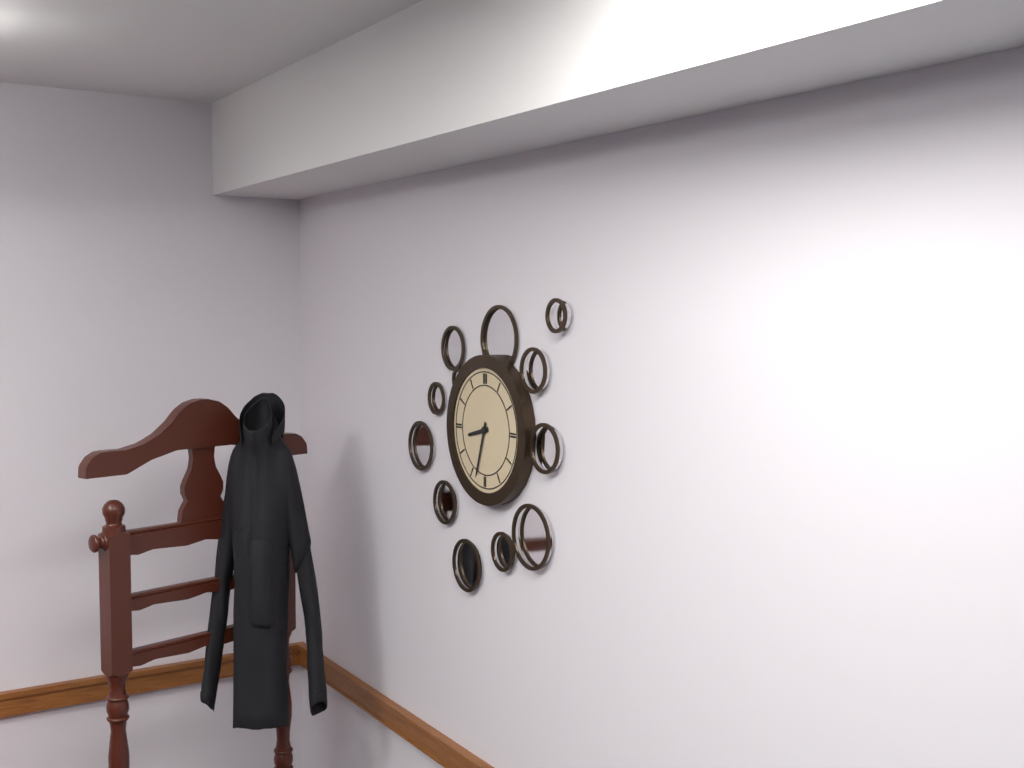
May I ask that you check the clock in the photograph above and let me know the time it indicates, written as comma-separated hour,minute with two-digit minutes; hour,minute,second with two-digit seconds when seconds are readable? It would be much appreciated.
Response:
8,33
